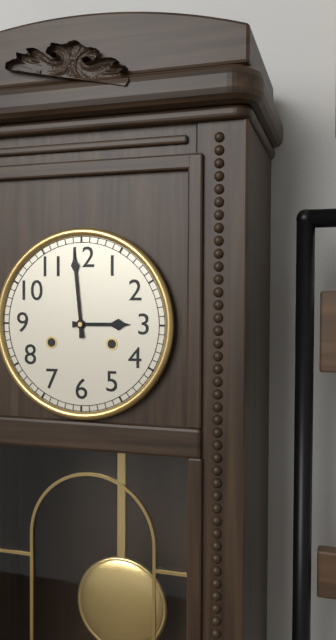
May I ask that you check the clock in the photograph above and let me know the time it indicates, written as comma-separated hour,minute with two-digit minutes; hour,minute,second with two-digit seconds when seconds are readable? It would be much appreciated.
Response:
2,59
